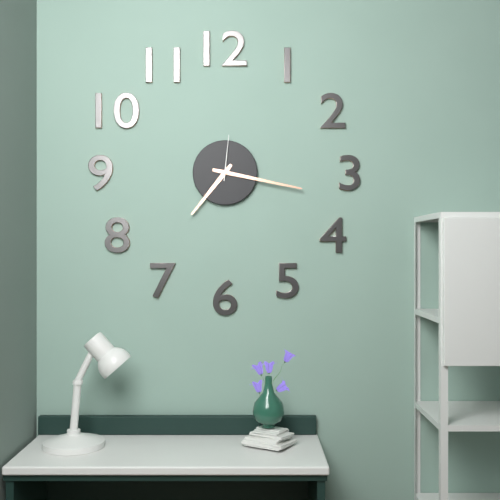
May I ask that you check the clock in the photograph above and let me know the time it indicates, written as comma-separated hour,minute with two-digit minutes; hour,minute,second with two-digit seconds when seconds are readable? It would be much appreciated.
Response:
7,17
